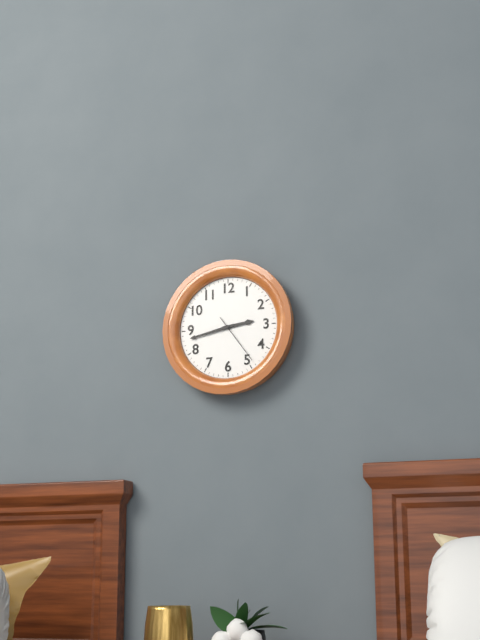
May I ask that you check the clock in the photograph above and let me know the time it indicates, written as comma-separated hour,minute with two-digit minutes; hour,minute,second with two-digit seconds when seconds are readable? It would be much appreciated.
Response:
2,43,24
